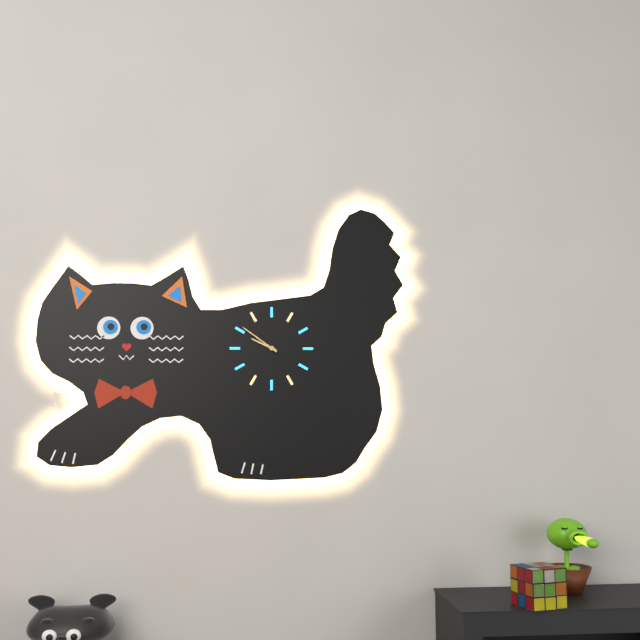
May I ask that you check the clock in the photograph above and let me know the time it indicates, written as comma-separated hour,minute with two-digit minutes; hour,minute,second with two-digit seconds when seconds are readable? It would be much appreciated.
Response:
9,51
